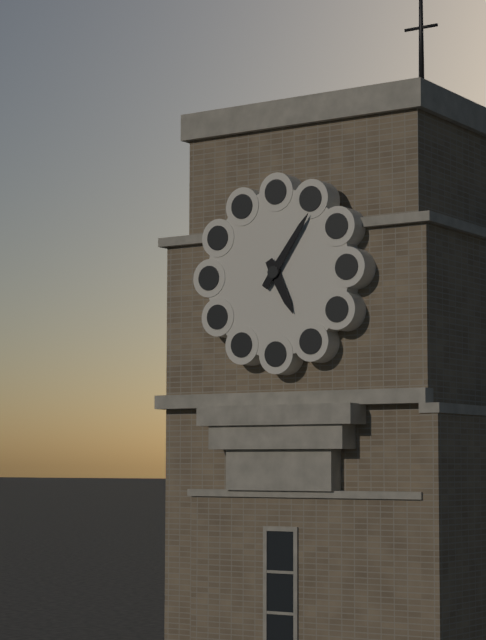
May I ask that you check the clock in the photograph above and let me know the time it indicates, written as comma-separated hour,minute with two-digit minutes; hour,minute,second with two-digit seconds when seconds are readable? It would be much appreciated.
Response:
5,06
